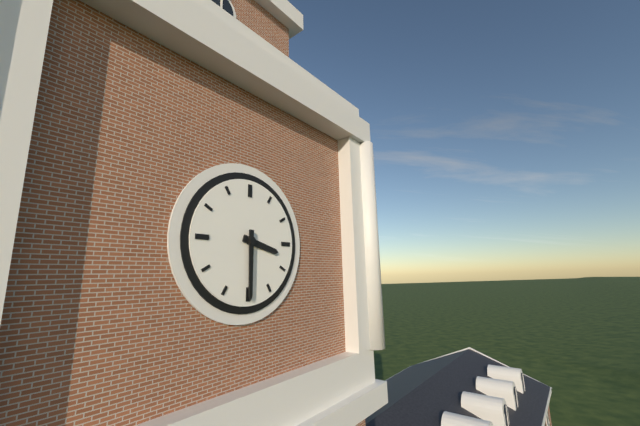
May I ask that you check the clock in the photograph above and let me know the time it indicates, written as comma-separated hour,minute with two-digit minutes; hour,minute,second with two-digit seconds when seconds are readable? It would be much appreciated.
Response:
3,30
